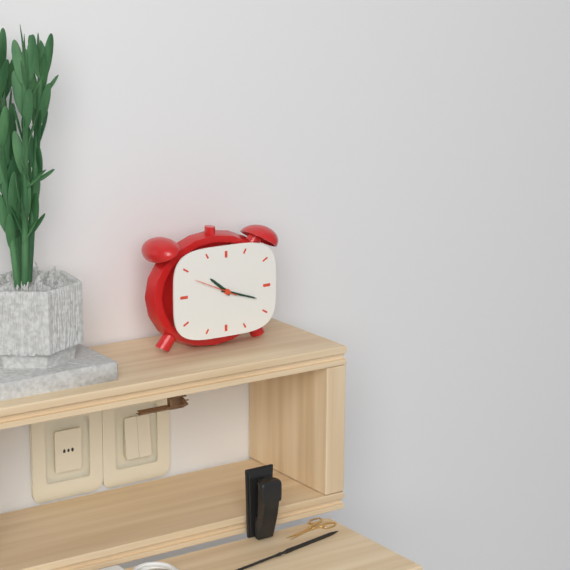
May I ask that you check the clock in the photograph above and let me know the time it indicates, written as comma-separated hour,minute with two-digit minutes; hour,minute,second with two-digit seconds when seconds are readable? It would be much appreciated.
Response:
10,18
